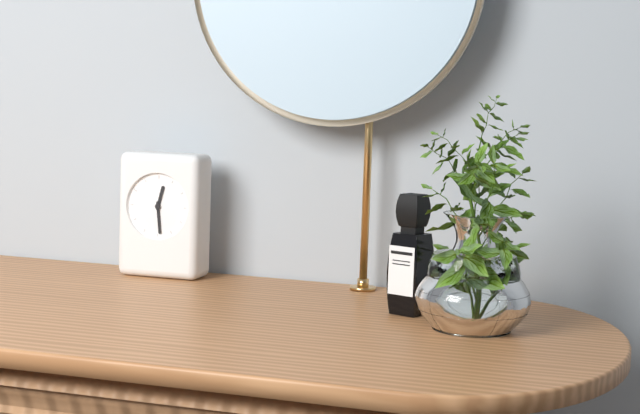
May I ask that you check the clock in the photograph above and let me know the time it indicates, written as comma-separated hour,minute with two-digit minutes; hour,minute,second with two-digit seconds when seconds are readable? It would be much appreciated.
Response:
12,29
